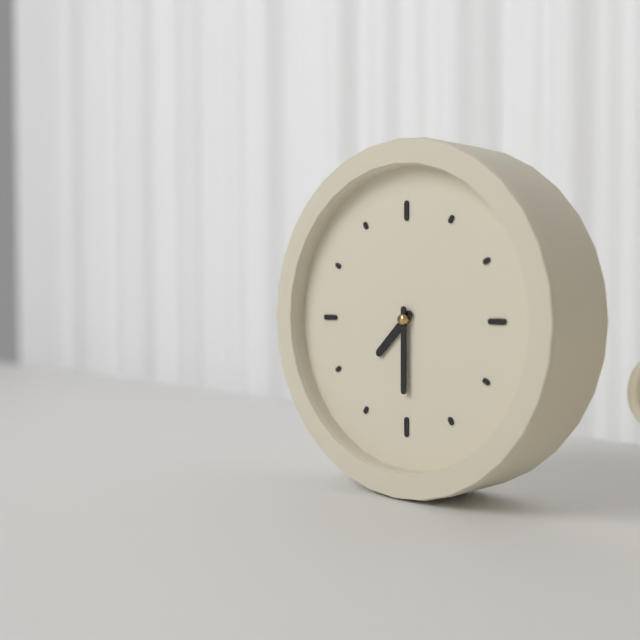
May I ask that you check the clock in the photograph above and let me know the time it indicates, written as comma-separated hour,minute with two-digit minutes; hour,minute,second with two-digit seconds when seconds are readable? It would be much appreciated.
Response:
7,30
